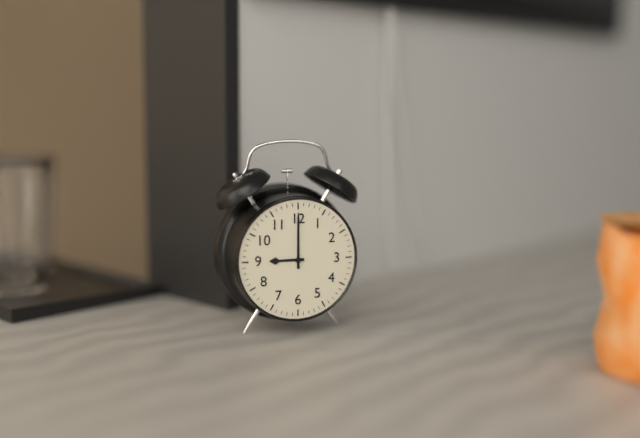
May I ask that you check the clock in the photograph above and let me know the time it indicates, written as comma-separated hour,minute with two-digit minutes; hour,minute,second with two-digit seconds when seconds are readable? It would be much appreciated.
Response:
9,00
